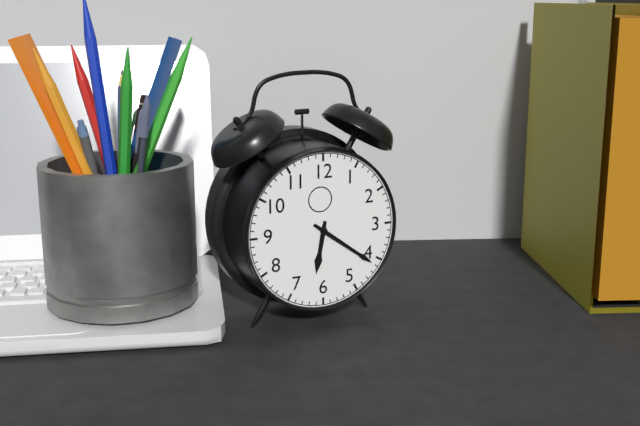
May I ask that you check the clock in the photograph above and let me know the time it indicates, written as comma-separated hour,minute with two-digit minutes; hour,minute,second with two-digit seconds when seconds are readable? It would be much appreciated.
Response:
6,21
